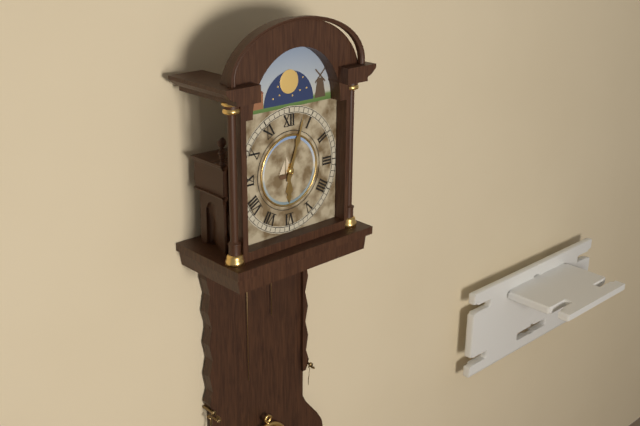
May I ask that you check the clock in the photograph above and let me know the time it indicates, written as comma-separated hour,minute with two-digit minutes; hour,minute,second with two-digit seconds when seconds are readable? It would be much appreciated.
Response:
6,03
